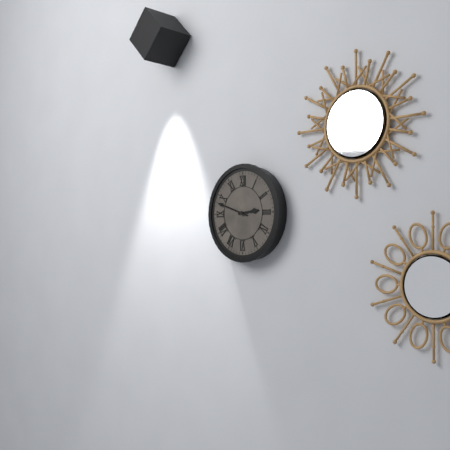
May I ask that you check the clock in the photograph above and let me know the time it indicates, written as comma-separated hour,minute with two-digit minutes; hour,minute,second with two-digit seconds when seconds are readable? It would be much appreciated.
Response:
2,48
